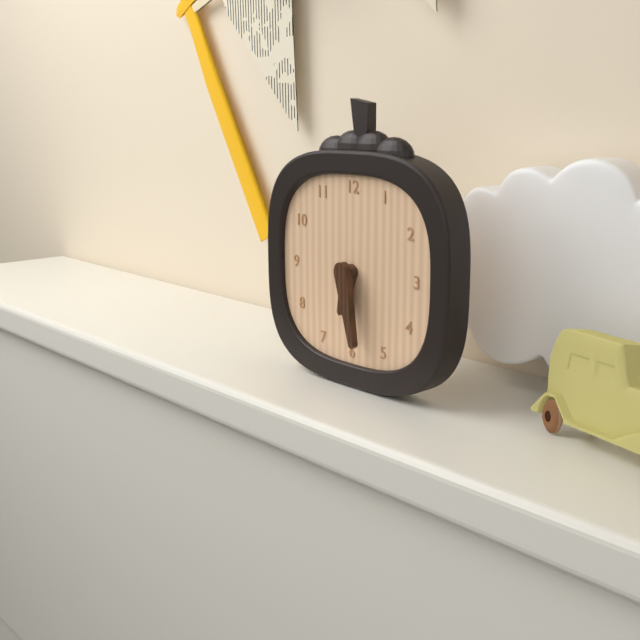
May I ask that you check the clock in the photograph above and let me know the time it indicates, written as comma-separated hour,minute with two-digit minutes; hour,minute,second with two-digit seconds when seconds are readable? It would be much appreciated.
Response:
6,28
